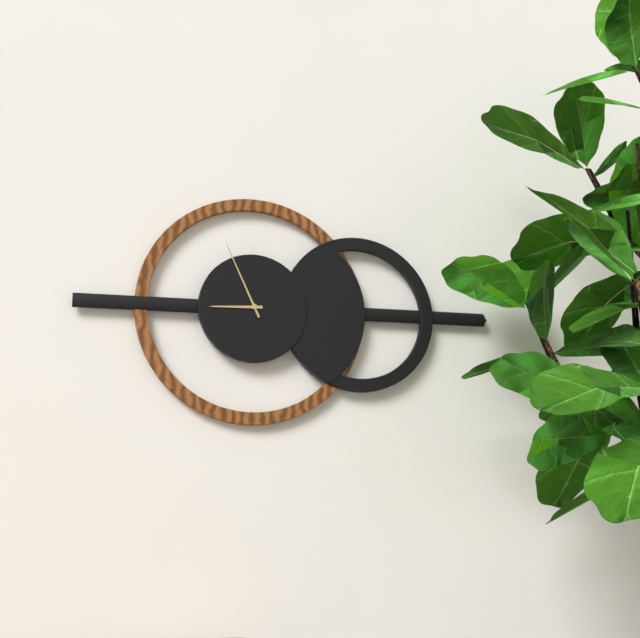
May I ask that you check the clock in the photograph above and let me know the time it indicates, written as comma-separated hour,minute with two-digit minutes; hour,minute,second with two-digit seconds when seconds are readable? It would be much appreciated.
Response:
8,56
